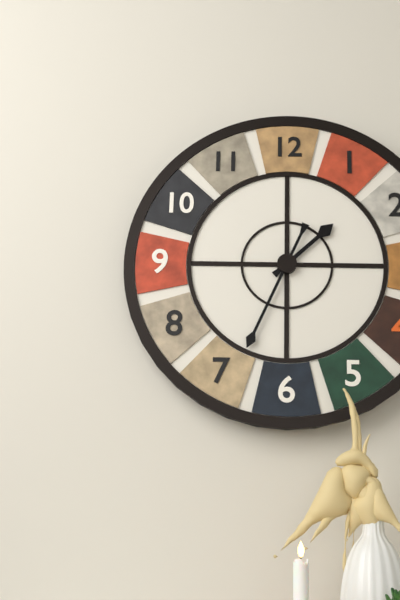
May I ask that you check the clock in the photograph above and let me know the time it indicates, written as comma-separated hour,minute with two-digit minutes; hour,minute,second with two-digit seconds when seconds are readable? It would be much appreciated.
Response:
1,34
